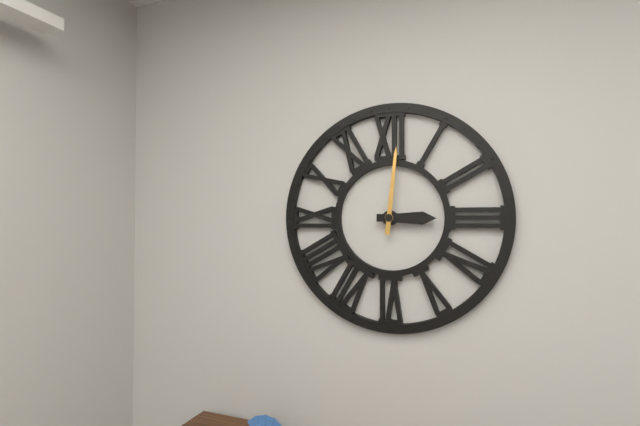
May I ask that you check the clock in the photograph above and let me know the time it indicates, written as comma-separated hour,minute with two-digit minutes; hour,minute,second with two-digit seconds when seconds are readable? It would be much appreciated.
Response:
3,01
